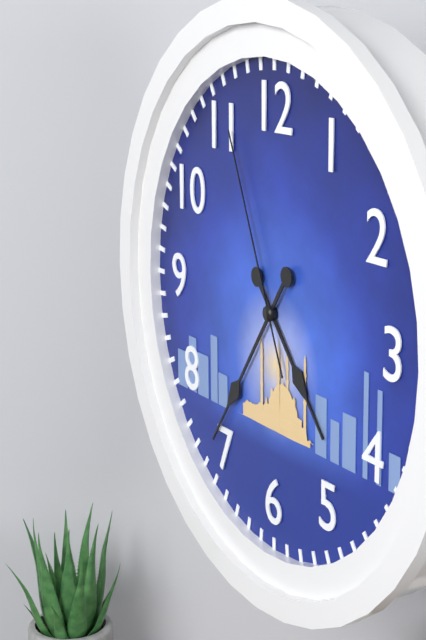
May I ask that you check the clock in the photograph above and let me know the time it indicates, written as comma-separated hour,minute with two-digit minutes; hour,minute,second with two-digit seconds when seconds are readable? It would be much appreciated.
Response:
4,36,56
